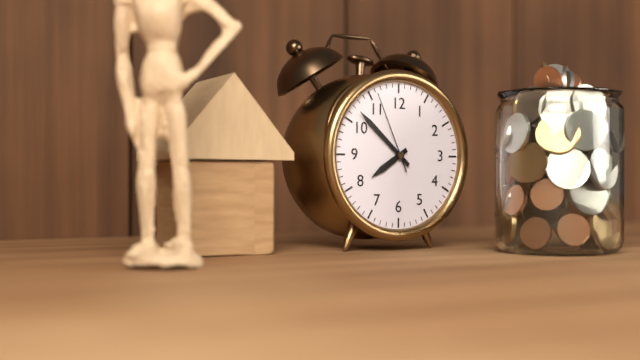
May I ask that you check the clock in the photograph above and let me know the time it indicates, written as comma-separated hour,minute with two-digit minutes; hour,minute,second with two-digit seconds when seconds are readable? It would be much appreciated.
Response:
7,52,56
